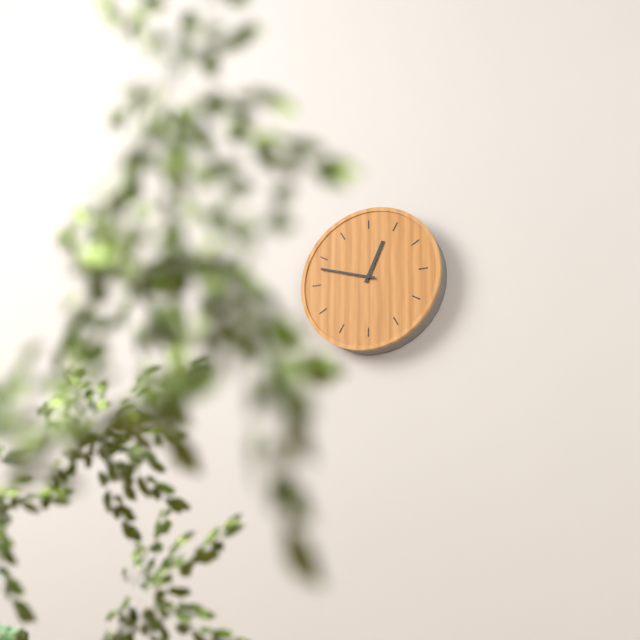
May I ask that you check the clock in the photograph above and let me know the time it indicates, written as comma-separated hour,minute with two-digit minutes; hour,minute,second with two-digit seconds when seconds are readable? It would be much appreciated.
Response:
12,48
